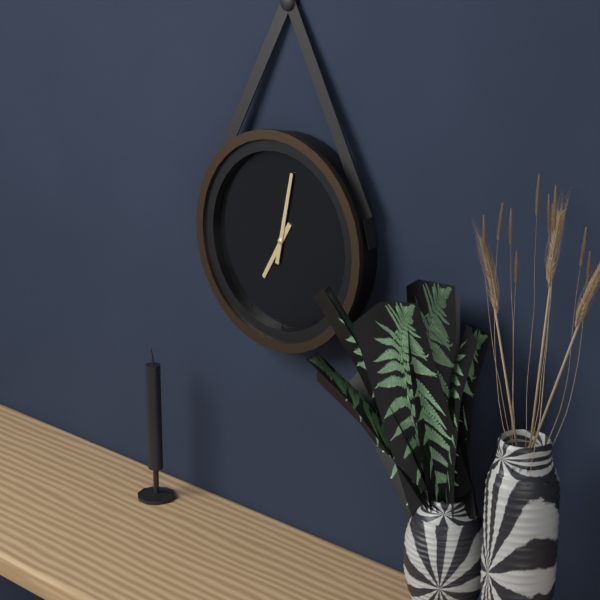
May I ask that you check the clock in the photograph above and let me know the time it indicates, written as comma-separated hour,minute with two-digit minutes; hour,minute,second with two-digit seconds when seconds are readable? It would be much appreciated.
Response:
7,02
